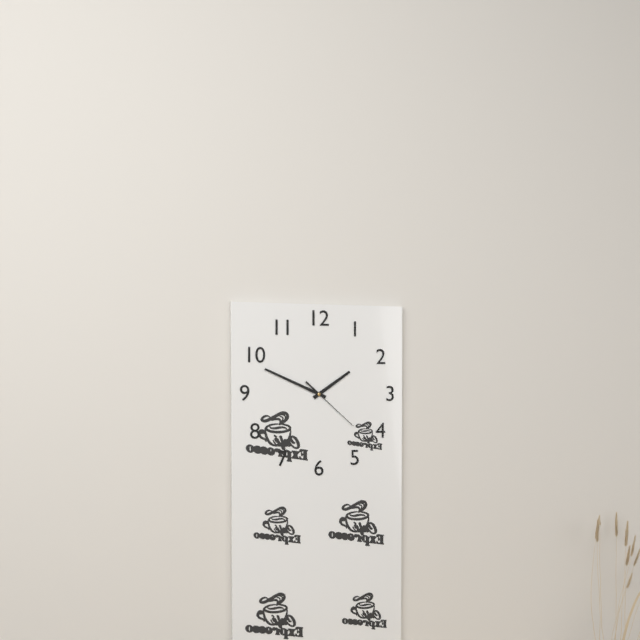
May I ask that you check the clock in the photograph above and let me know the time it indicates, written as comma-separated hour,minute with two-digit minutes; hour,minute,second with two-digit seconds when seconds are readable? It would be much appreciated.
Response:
1,49,22
